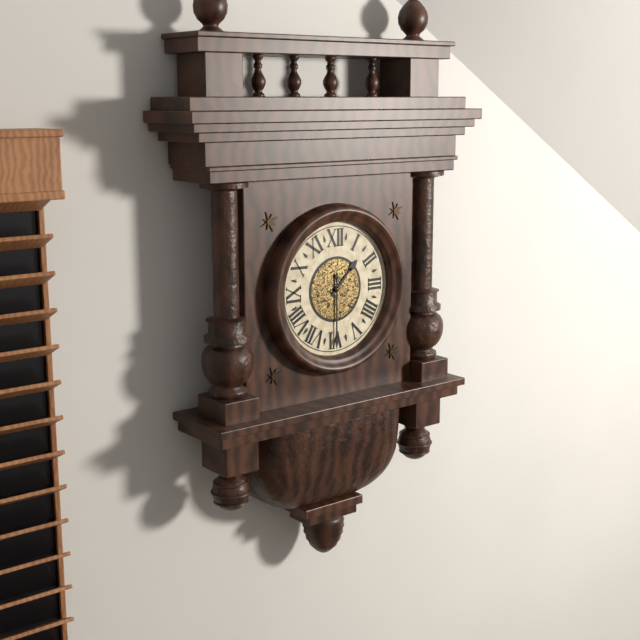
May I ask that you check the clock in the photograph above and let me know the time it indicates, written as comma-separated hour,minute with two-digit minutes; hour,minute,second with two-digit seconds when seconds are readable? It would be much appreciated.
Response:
1,30
